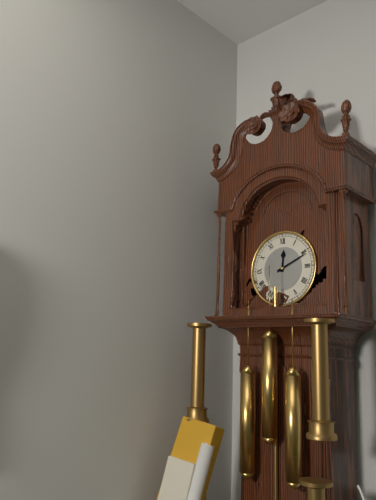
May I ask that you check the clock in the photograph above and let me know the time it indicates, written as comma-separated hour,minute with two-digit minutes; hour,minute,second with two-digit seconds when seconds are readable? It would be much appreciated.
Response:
12,11
